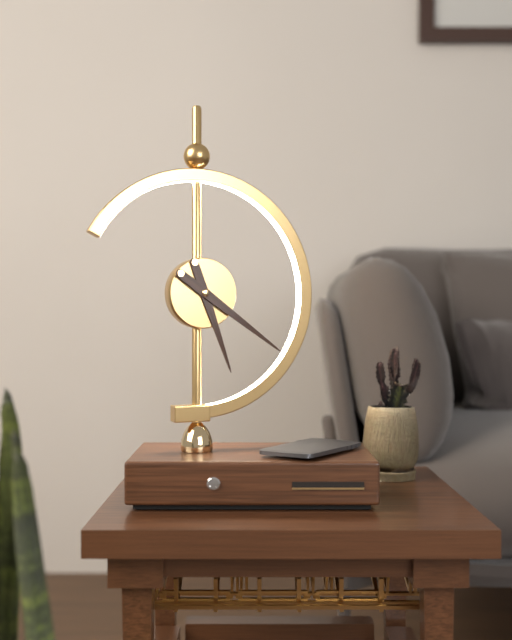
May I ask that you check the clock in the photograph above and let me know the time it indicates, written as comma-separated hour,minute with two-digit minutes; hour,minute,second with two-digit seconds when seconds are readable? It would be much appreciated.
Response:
5,21
